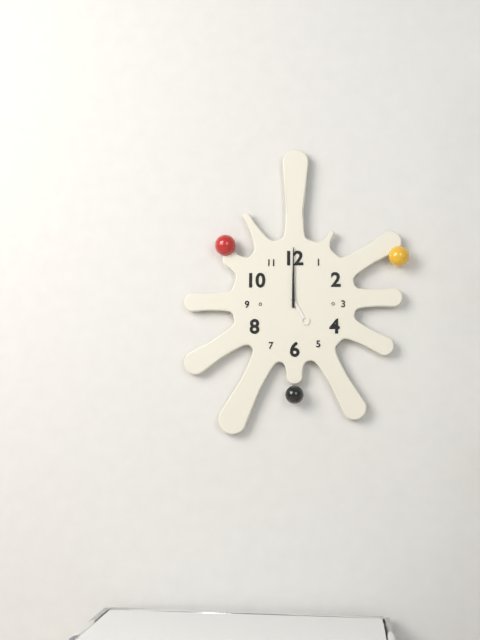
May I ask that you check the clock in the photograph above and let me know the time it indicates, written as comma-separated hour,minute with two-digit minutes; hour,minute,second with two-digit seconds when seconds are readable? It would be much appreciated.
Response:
5,00
